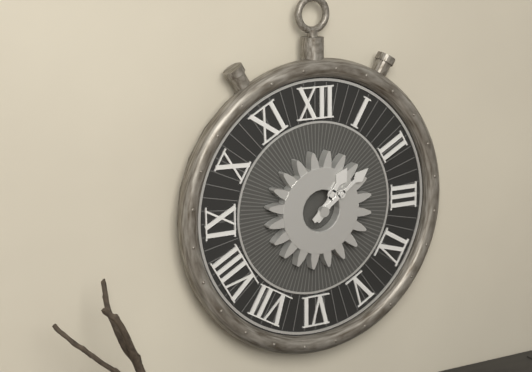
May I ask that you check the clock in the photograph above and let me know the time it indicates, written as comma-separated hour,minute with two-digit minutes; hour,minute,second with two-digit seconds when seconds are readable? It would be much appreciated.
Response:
1,09
